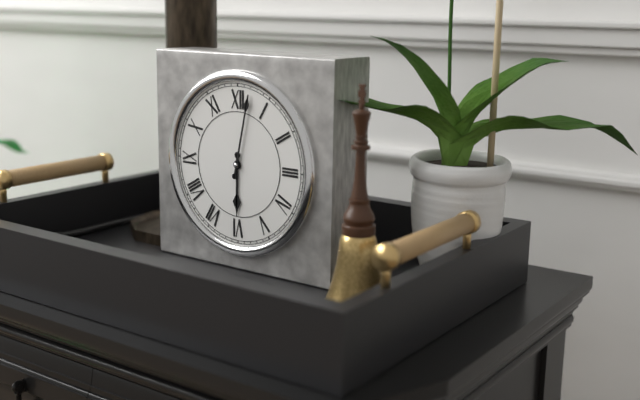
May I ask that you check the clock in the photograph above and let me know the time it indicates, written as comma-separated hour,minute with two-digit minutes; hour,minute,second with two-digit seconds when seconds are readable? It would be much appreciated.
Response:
6,02
